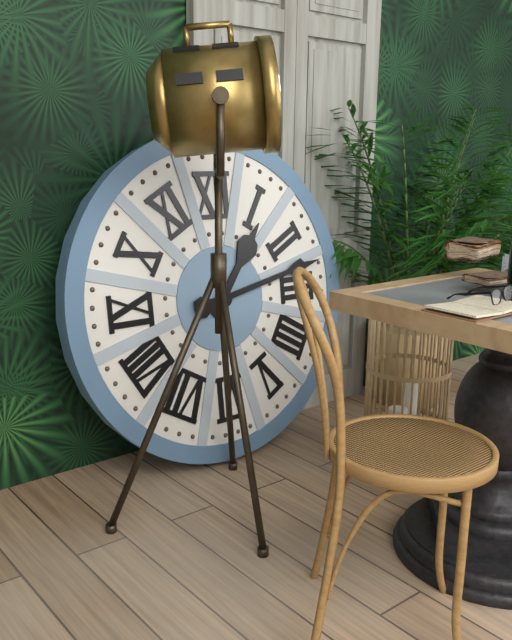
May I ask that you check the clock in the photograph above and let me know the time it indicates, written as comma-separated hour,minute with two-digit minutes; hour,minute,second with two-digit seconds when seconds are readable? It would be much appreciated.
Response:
1,13
